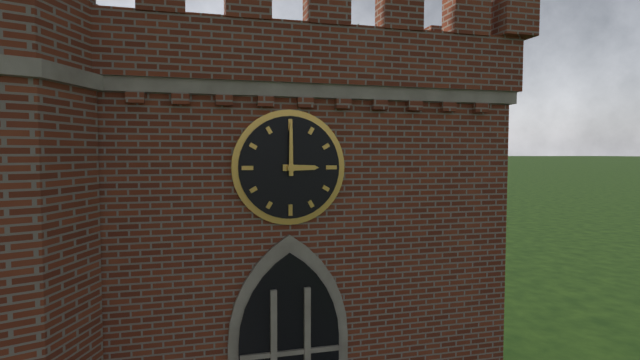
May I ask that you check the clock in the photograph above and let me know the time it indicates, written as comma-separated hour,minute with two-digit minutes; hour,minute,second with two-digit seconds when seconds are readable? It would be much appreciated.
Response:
3,00
